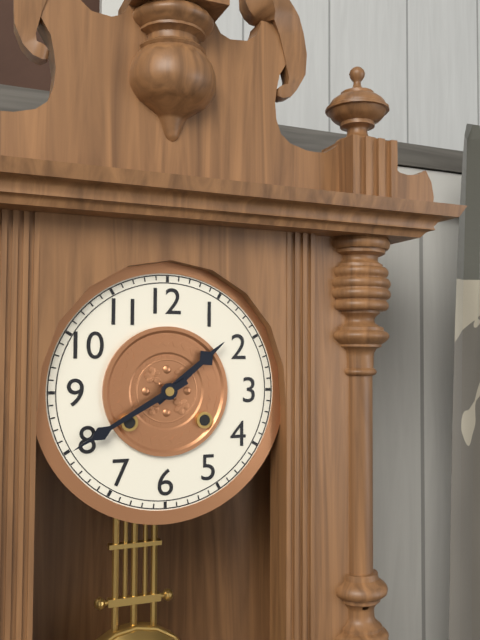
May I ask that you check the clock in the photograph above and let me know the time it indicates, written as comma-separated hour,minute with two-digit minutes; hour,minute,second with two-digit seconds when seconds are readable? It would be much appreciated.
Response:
1,40
